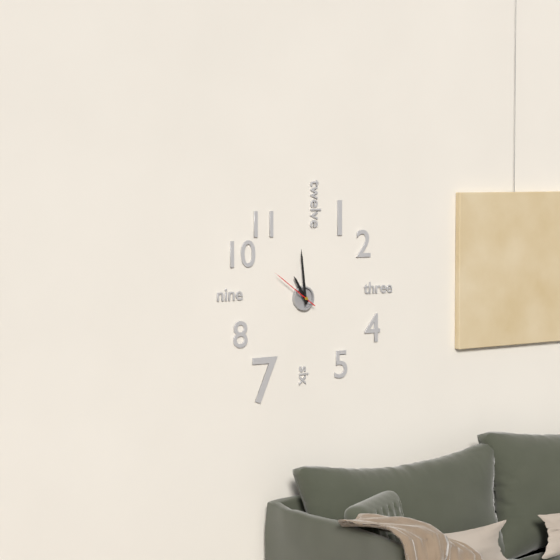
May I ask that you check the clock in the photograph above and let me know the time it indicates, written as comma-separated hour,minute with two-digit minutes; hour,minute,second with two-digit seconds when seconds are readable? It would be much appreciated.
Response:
10,59
